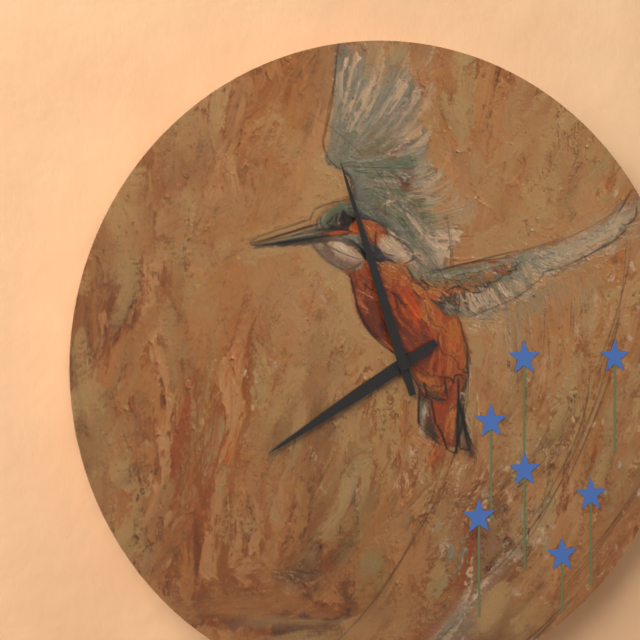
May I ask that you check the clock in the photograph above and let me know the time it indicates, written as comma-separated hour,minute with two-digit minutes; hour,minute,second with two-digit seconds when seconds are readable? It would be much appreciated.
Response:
7,57
